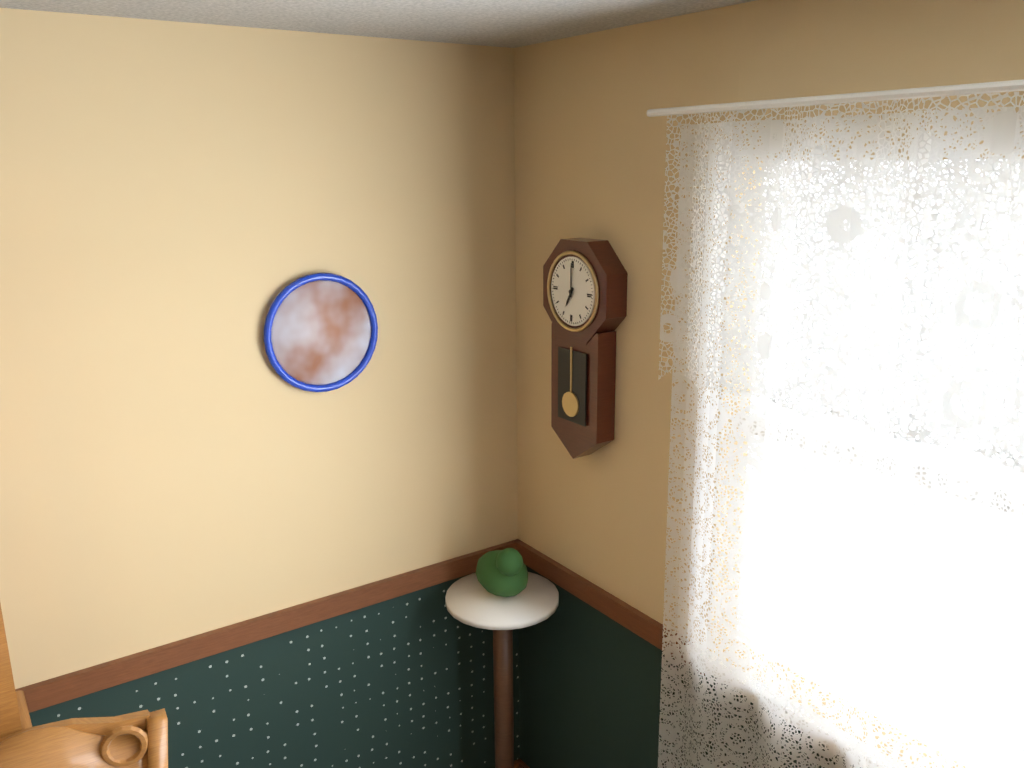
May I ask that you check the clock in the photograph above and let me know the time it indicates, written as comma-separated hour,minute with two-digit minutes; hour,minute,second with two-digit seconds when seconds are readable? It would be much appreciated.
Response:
7,00
